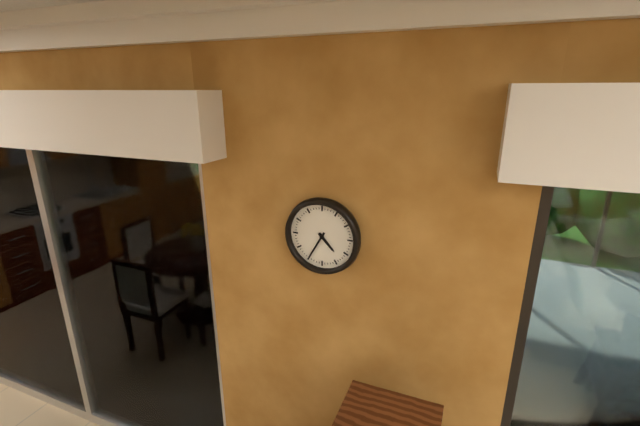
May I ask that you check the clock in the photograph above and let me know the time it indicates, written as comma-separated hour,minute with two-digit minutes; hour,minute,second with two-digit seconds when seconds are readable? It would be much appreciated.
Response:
4,35
